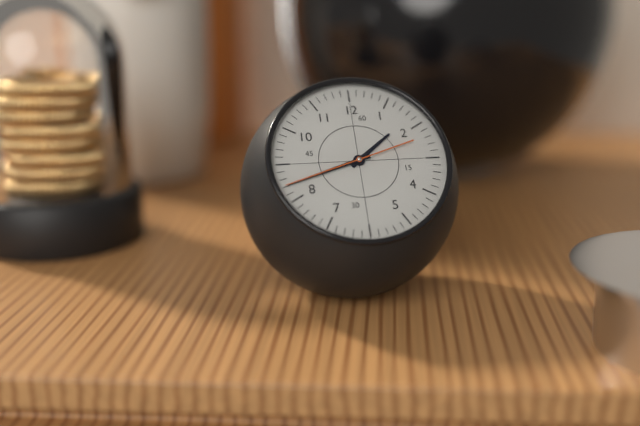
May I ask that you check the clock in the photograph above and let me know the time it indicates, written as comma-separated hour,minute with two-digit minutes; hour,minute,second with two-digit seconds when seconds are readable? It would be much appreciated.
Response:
1,42,42
